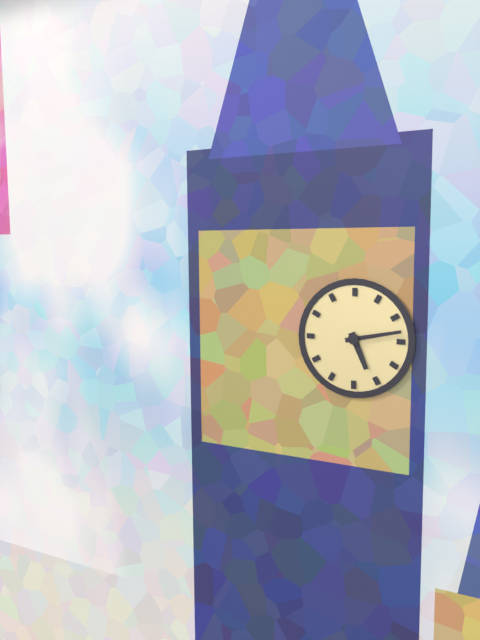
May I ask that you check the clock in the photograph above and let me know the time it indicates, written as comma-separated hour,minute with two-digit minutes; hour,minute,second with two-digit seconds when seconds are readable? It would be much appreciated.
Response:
5,13
